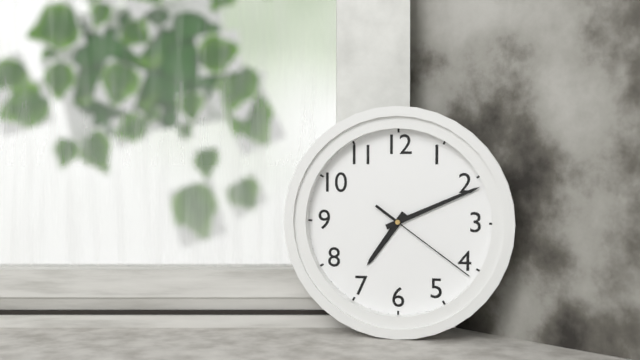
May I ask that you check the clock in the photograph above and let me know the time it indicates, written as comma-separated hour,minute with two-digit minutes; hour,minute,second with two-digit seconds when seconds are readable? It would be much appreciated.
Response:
7,11,21
